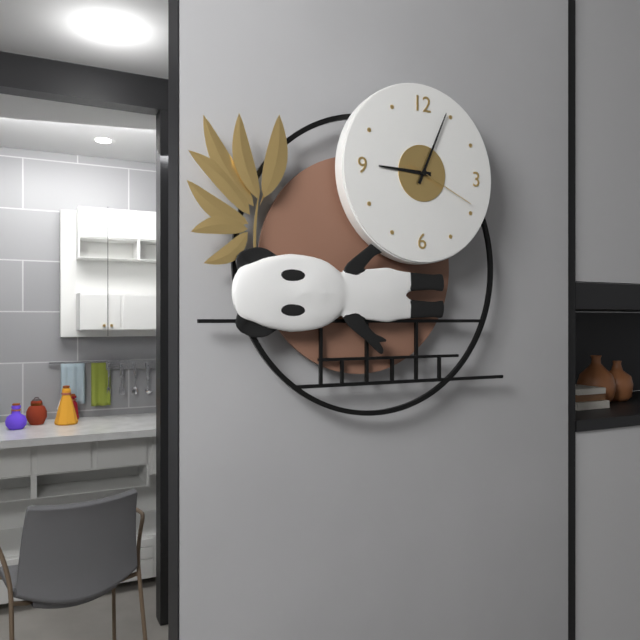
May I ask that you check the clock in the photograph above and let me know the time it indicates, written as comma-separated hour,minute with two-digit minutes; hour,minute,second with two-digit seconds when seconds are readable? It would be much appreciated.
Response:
9,04,19
